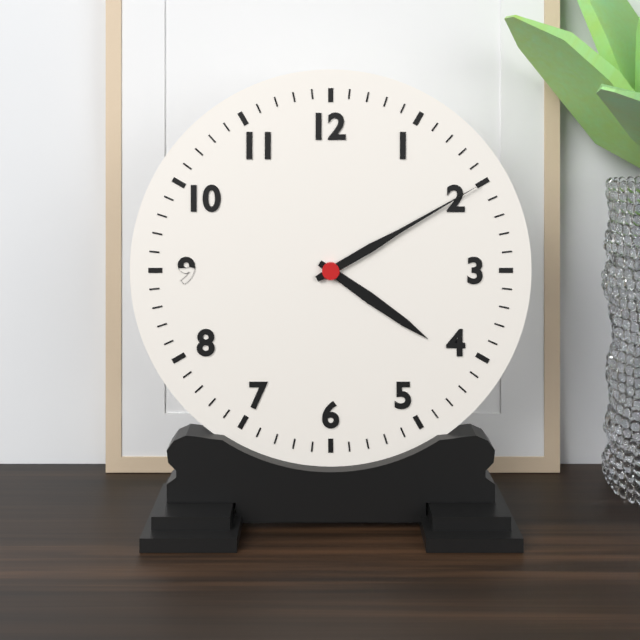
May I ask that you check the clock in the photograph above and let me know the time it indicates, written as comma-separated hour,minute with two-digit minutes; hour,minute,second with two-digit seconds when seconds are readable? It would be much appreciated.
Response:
4,10
